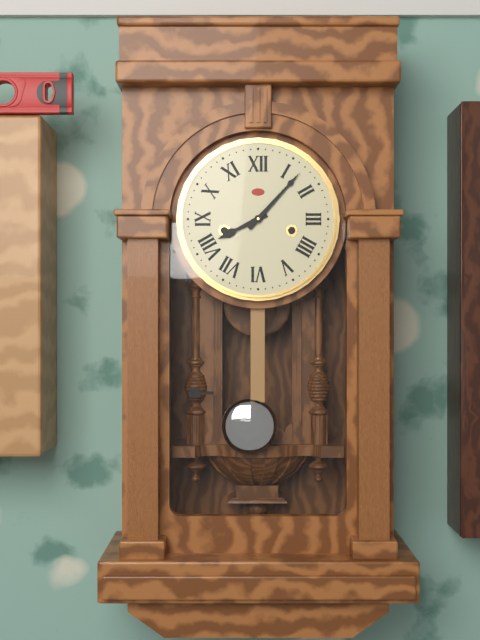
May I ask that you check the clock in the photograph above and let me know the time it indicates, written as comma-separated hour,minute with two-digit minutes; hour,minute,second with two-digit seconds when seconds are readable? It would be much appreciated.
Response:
8,07
